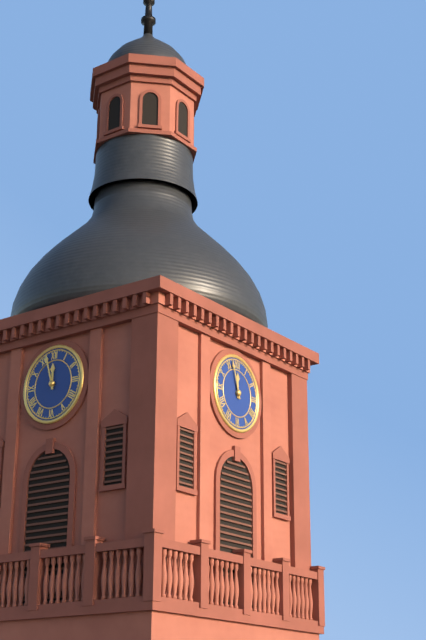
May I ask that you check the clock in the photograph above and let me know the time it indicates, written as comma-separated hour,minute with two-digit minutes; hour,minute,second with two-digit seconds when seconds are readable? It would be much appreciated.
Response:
11,57
